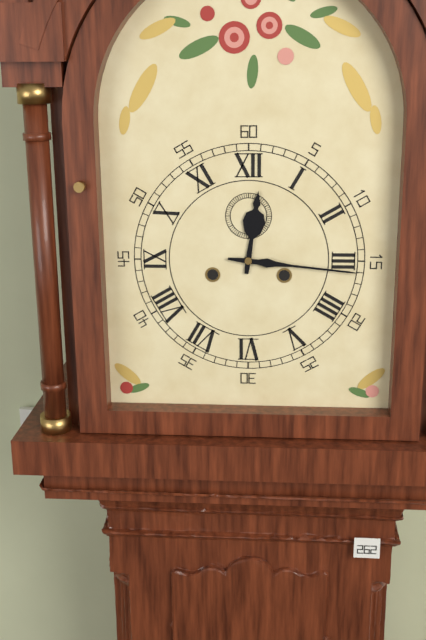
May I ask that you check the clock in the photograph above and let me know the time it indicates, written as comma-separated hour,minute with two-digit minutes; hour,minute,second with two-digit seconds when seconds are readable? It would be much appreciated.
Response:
12,16
